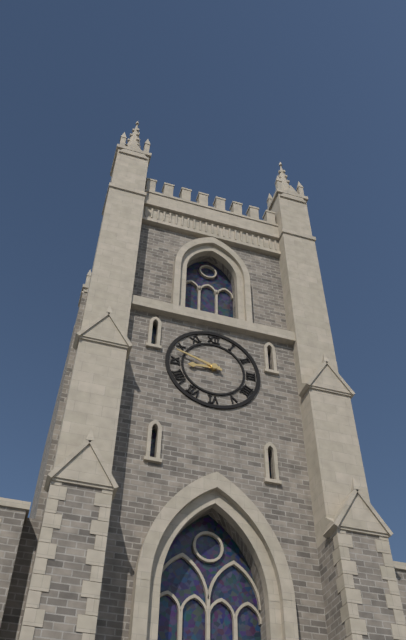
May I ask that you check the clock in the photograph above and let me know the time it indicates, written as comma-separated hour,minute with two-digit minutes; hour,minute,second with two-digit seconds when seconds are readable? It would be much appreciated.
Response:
8,48
